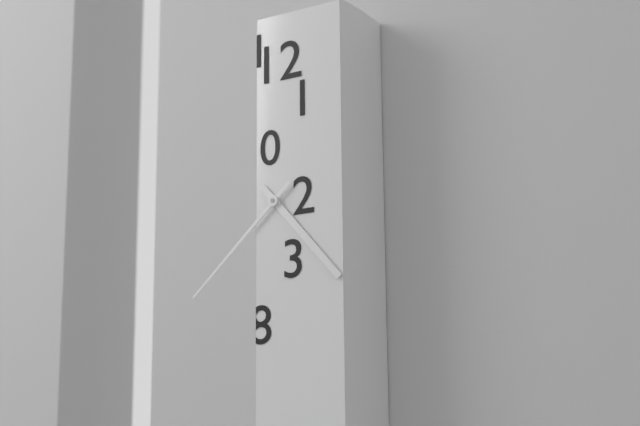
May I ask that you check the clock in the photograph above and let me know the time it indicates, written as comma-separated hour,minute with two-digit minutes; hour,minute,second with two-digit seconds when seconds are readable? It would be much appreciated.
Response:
4,38
